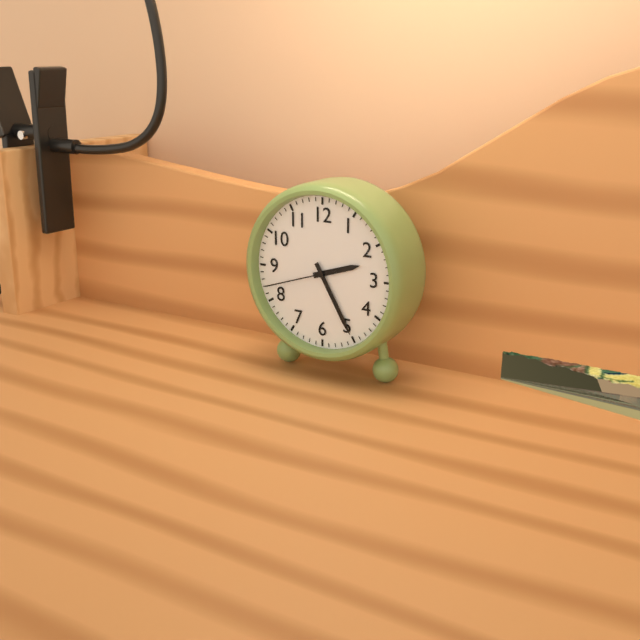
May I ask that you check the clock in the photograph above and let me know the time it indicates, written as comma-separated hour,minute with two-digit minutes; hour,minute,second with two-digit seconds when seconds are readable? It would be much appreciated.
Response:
2,25,42
